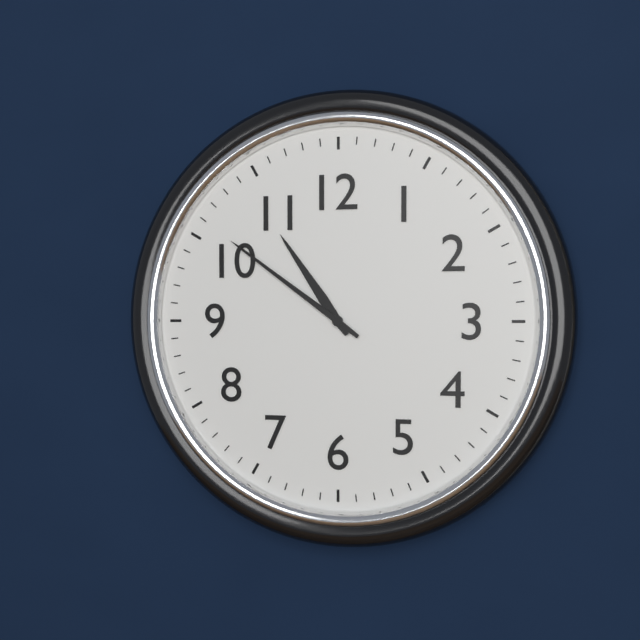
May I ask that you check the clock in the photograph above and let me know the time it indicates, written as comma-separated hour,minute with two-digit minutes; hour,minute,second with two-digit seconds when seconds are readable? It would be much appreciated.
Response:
10,51
